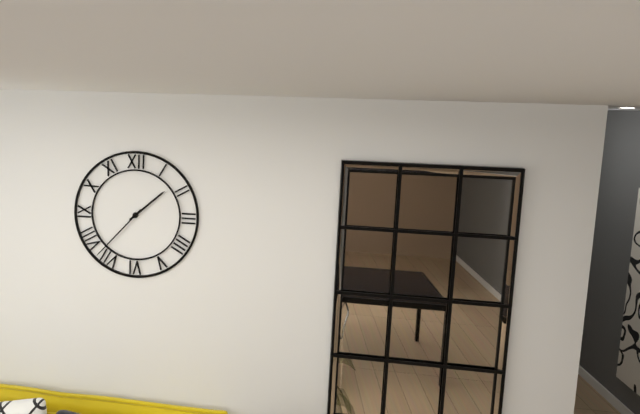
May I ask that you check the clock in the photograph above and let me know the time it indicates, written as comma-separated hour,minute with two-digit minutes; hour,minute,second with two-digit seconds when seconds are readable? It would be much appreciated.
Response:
1,37
